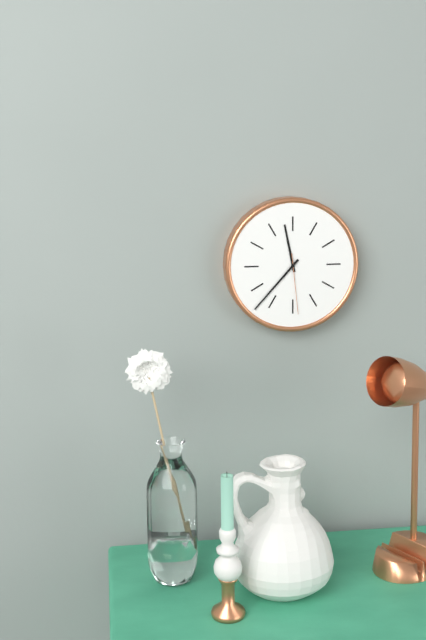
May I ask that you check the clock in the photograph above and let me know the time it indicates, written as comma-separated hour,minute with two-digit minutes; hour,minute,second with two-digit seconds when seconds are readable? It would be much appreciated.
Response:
11,37,29
